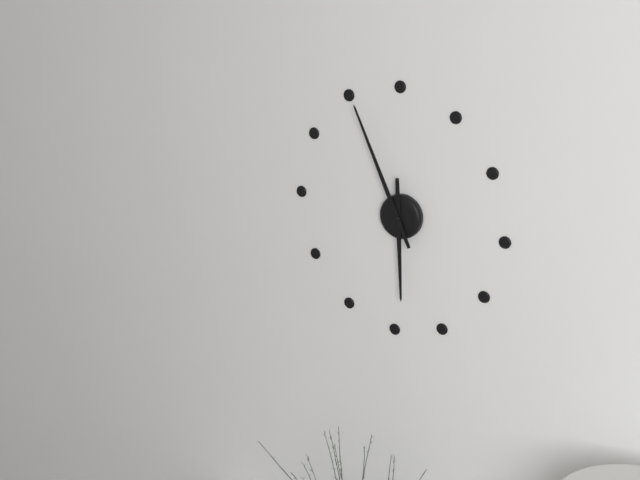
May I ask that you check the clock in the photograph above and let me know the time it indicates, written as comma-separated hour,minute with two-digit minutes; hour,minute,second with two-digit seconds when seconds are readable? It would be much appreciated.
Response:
5,56
